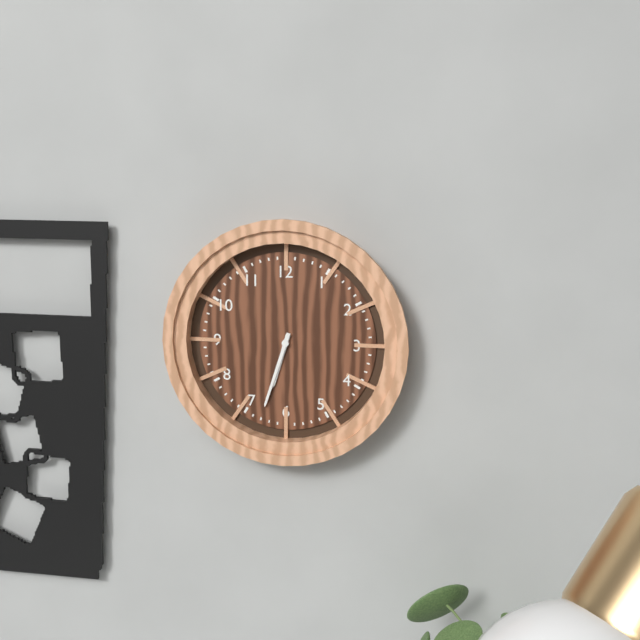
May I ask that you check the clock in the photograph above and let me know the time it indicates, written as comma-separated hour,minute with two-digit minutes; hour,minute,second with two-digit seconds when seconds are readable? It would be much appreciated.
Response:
6,33
